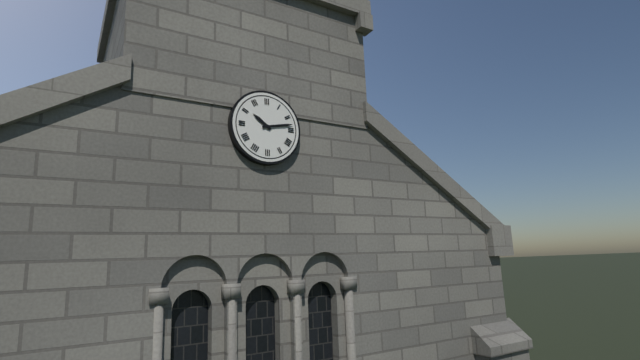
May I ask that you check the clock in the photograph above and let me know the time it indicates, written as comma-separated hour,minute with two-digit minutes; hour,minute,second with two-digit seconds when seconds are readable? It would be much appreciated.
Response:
10,13
